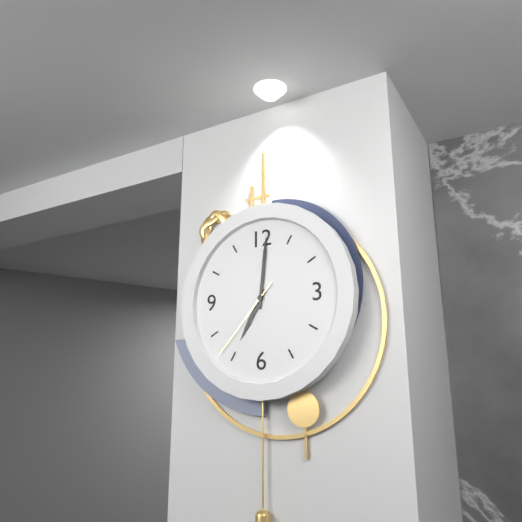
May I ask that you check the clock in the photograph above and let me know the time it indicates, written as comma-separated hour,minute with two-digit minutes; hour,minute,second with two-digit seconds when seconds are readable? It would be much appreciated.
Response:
7,01,37
